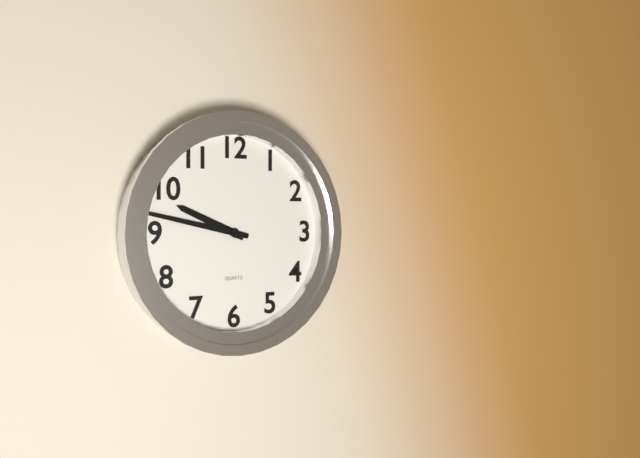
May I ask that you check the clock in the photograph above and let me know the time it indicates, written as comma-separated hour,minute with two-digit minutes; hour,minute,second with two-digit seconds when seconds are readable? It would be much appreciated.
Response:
9,47
